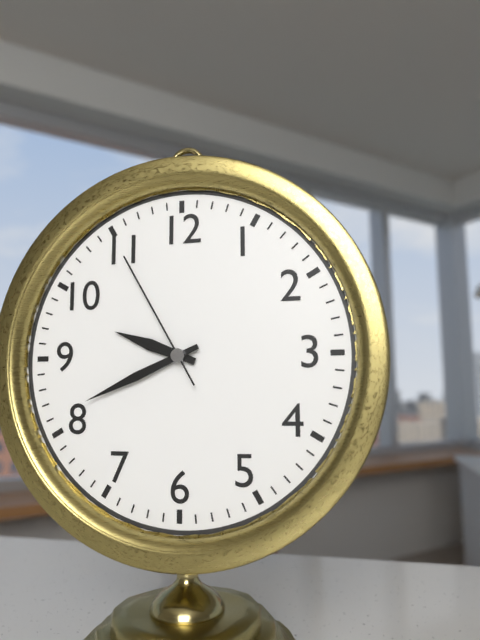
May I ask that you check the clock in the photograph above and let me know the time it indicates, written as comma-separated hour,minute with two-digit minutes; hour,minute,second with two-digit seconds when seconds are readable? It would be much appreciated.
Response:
9,41,55
